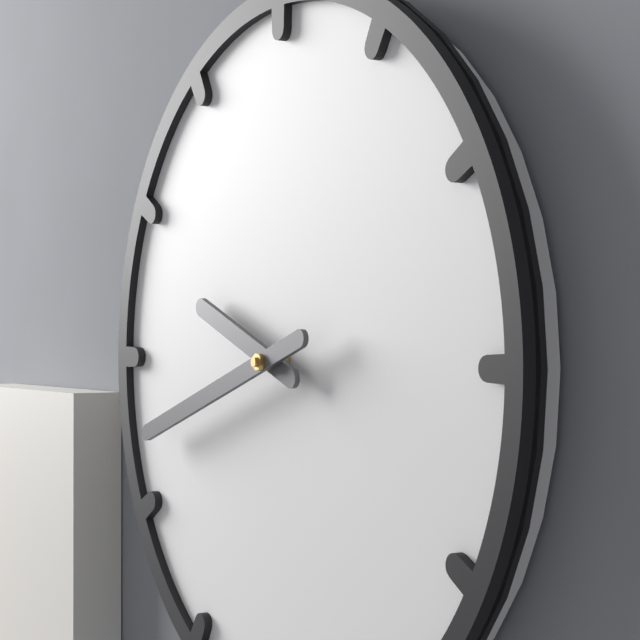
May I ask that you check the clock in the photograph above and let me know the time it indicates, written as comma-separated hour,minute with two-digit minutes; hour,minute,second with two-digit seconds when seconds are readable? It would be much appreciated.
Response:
9,42
